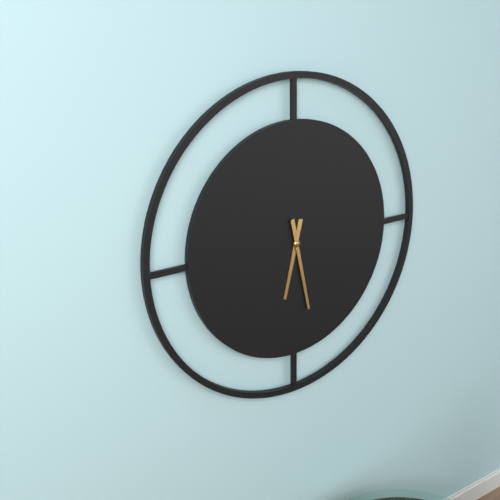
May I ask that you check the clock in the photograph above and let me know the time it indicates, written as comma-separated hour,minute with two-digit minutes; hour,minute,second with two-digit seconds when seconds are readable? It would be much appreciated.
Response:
6,28
